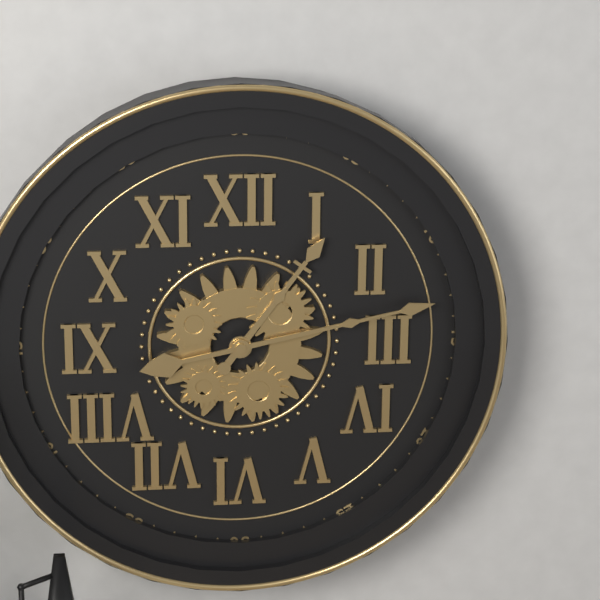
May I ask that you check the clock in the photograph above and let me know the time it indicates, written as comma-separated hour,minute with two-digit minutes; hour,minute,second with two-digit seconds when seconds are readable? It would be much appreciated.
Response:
1,13
